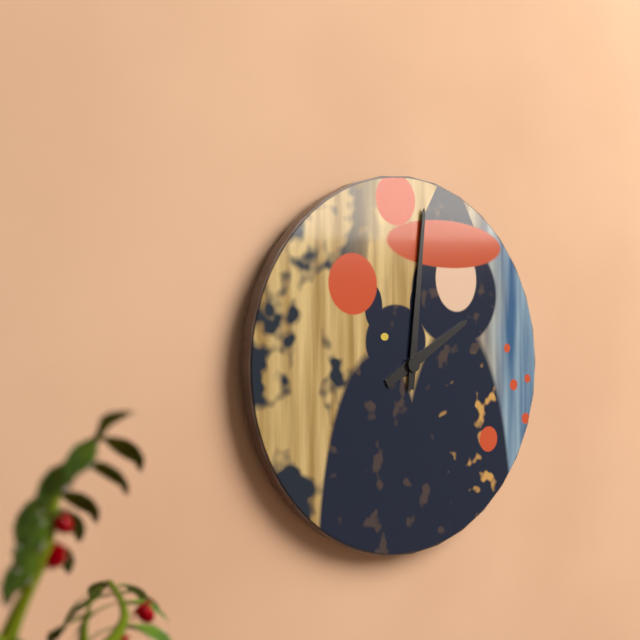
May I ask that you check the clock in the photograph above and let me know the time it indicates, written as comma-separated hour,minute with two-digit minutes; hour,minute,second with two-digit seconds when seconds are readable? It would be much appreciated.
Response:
2,01
